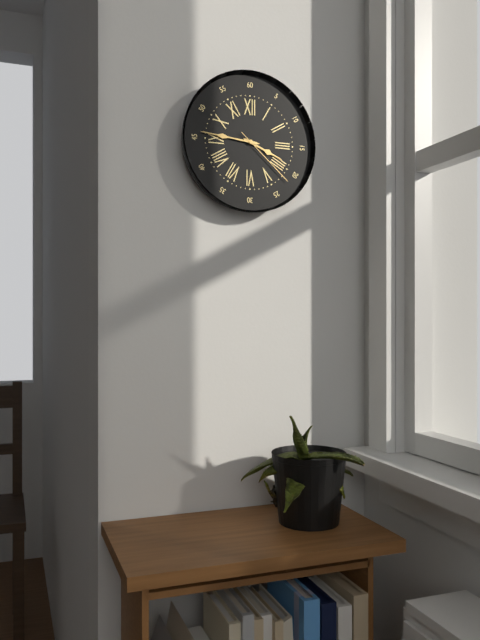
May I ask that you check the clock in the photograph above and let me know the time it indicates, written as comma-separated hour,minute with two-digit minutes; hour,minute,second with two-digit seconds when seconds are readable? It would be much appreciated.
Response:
3,46,22
